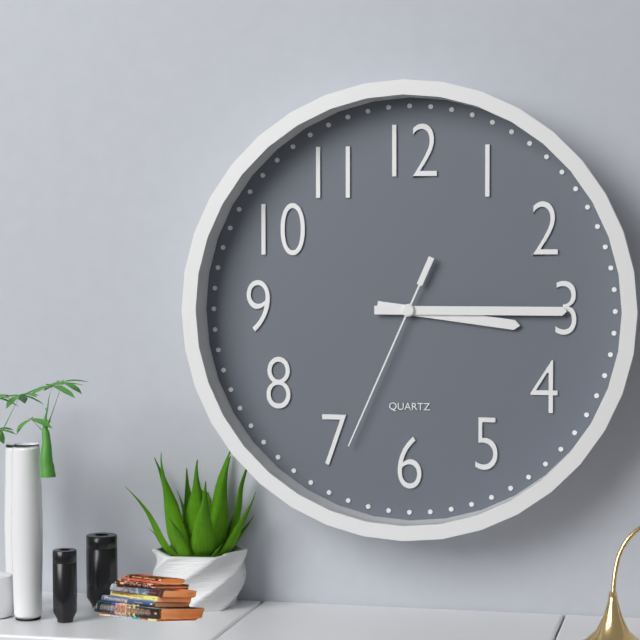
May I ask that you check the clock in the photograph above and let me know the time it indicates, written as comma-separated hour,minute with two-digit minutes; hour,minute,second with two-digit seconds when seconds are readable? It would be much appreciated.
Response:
3,15,34
